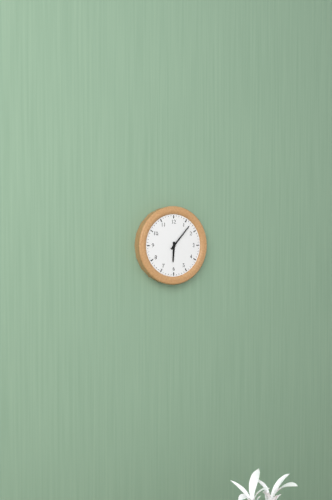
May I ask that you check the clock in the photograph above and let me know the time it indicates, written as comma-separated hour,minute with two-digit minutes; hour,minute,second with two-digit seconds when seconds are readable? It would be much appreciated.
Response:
6,07
